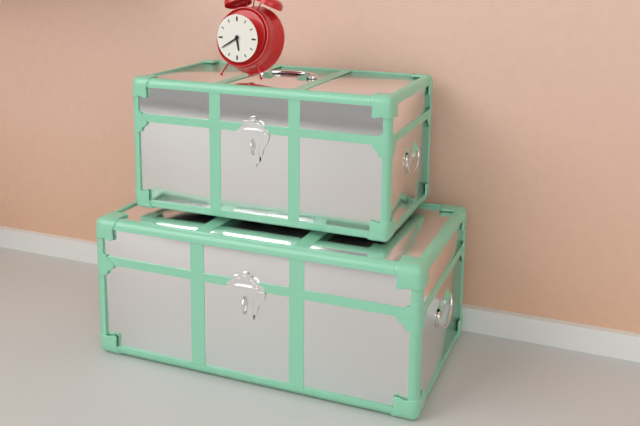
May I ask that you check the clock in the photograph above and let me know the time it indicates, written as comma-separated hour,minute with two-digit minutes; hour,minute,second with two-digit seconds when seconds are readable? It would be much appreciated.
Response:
5,40
